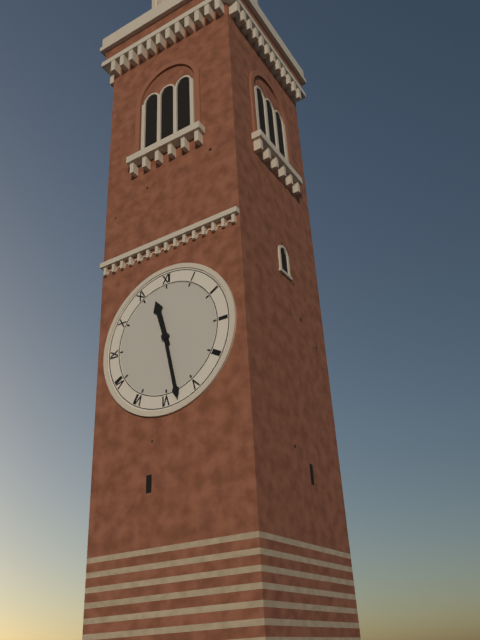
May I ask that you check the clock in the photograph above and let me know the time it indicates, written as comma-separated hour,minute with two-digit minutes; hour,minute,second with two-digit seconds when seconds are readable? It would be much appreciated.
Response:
11,28
